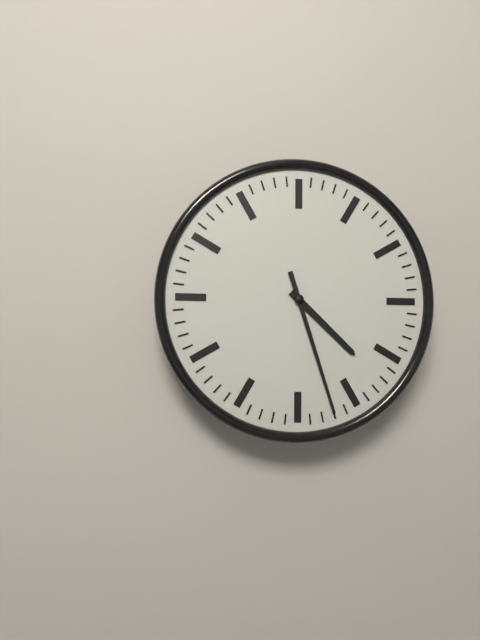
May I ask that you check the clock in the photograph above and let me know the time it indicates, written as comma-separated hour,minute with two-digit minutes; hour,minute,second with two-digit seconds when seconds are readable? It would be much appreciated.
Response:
4,27
